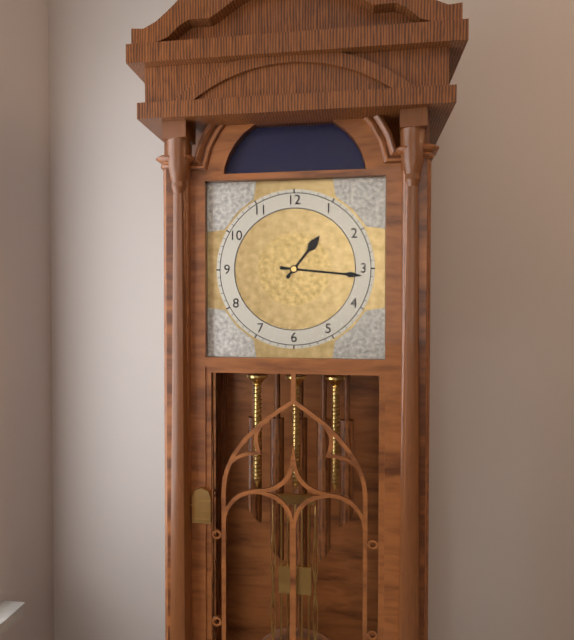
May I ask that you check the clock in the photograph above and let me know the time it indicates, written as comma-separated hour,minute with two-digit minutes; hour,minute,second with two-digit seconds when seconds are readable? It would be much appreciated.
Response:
1,16
